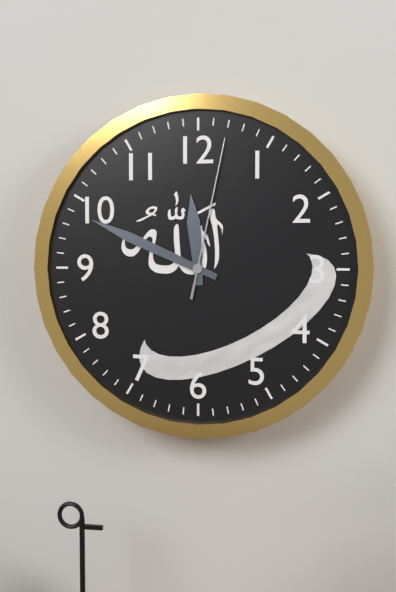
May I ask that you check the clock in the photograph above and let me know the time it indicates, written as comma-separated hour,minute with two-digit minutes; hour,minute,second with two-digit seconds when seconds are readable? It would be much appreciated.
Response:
11,49,02
